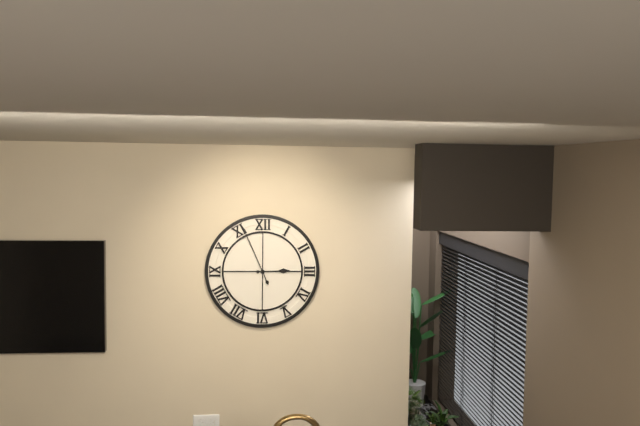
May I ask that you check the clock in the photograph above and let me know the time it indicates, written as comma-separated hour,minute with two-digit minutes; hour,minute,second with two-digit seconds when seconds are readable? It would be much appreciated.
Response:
2,56
